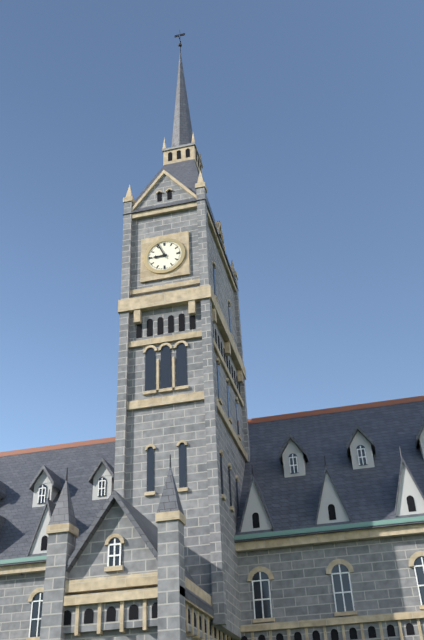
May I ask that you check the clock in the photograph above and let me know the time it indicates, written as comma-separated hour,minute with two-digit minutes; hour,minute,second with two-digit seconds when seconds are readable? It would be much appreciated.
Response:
8,56
